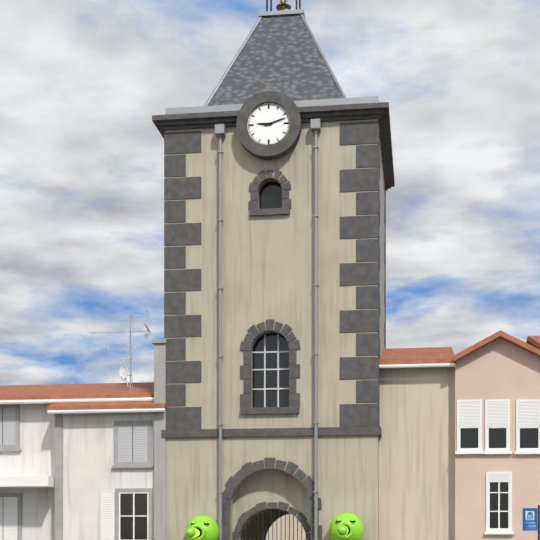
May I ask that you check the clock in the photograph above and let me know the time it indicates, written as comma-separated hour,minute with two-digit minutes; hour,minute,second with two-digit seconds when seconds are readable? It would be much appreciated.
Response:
9,12
